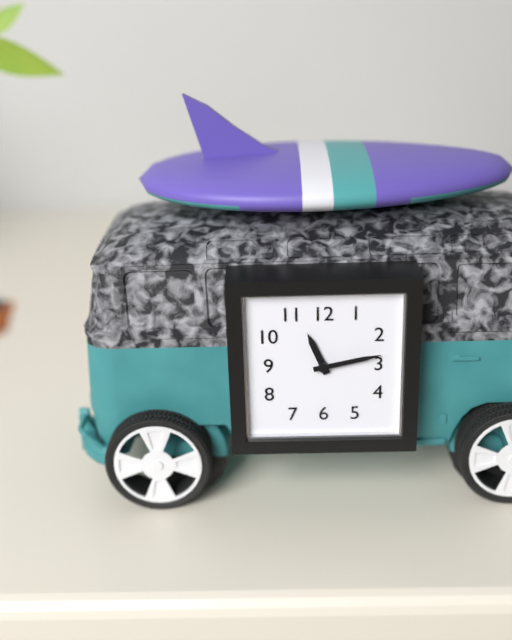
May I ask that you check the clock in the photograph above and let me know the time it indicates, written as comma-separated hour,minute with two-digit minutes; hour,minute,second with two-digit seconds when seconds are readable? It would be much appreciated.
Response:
11,13
